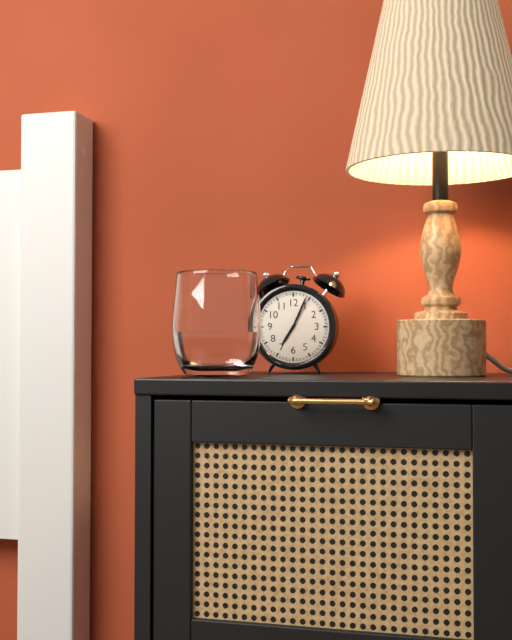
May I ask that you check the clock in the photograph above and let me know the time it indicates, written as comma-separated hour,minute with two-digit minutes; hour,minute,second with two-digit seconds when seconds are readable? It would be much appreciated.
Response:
7,04
